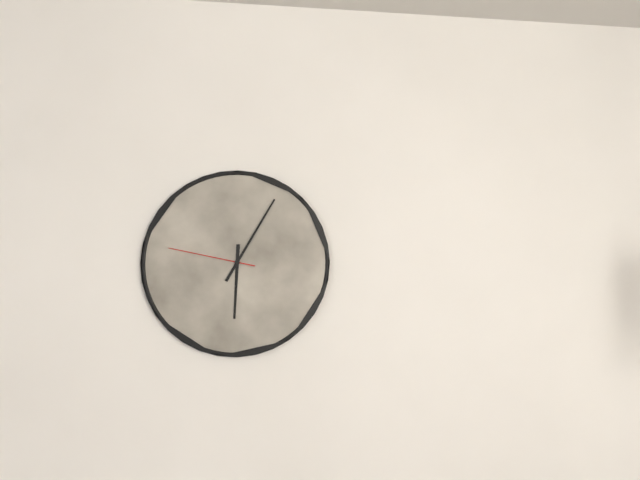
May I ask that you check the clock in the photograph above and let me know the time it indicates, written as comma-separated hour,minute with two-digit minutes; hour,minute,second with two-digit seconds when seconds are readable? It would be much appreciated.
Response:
6,05,47
